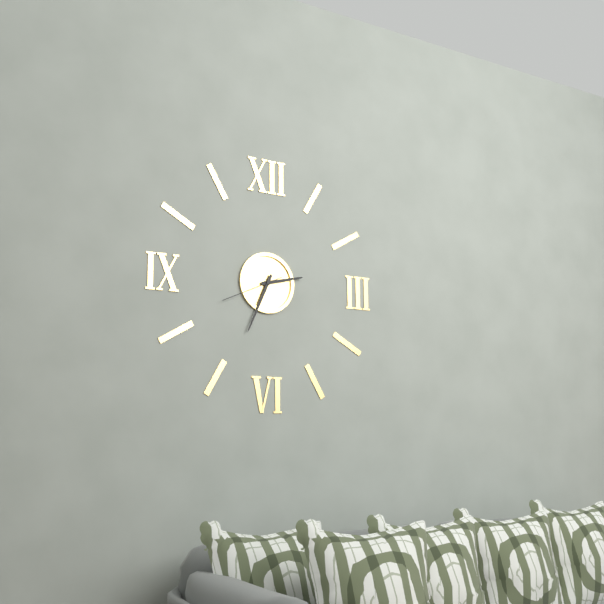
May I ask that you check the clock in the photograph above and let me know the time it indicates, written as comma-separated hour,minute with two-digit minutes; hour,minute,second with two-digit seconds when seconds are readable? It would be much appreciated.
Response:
2,34,41
